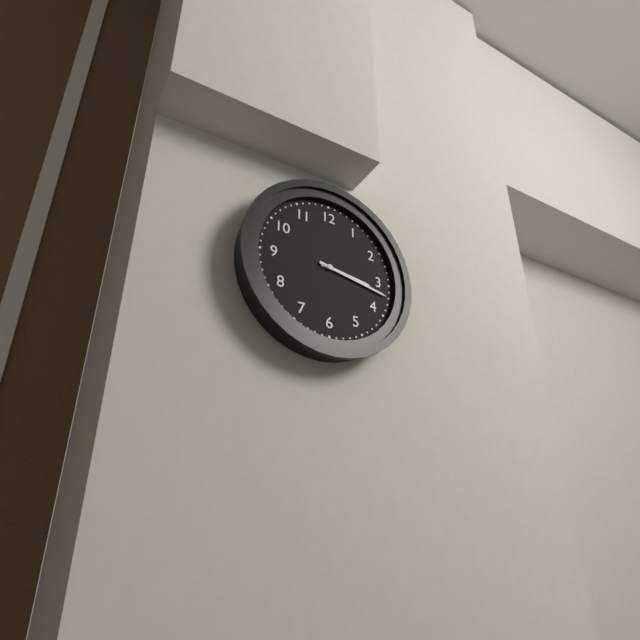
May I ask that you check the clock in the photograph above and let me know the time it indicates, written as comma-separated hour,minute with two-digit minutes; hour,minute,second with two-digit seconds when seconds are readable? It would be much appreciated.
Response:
3,17
